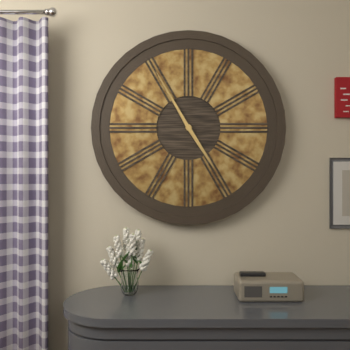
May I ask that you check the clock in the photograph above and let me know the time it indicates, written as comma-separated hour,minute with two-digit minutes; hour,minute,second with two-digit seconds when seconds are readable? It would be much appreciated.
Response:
4,55
